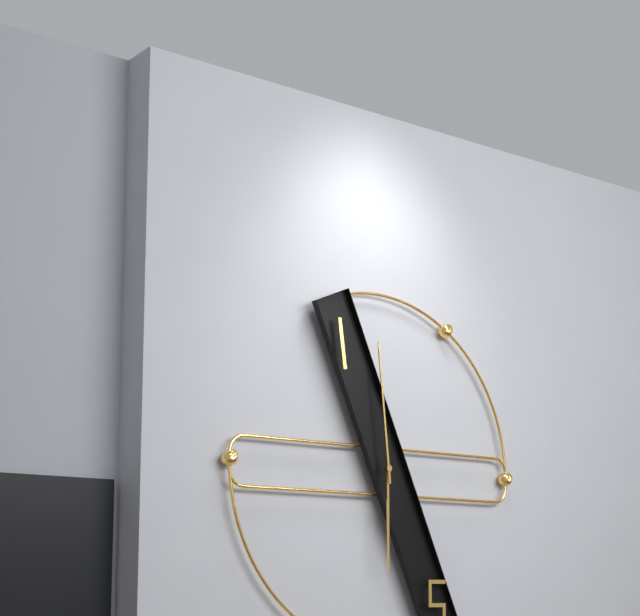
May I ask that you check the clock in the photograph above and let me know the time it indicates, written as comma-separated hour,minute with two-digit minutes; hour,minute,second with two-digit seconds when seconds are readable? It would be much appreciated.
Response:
5,59
